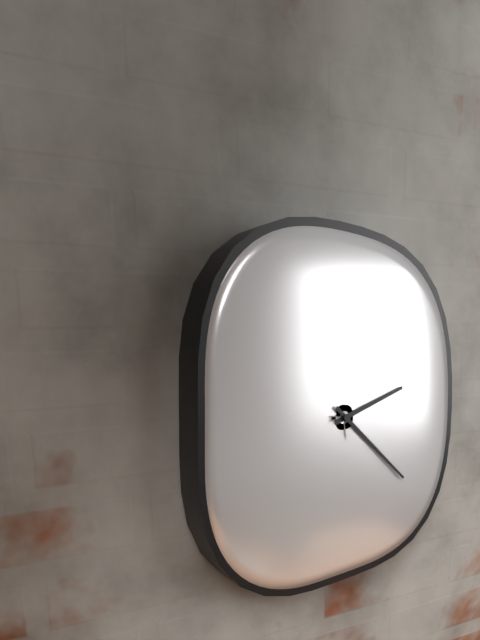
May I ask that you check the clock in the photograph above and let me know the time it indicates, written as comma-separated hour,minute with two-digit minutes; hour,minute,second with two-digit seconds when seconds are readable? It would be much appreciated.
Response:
2,22
